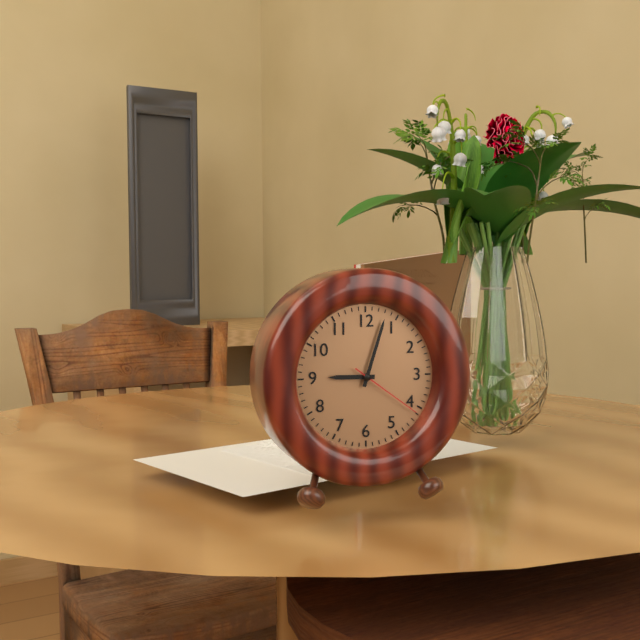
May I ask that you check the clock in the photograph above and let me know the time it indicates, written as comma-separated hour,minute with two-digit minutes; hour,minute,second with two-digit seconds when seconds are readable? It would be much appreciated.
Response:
9,03,21
